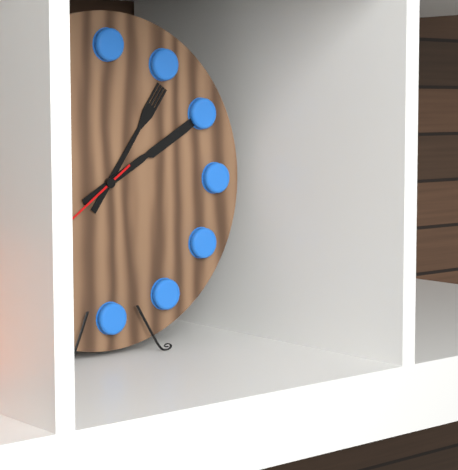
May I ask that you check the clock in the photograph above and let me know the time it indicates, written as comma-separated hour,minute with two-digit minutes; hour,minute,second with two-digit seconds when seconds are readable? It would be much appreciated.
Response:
1,10
